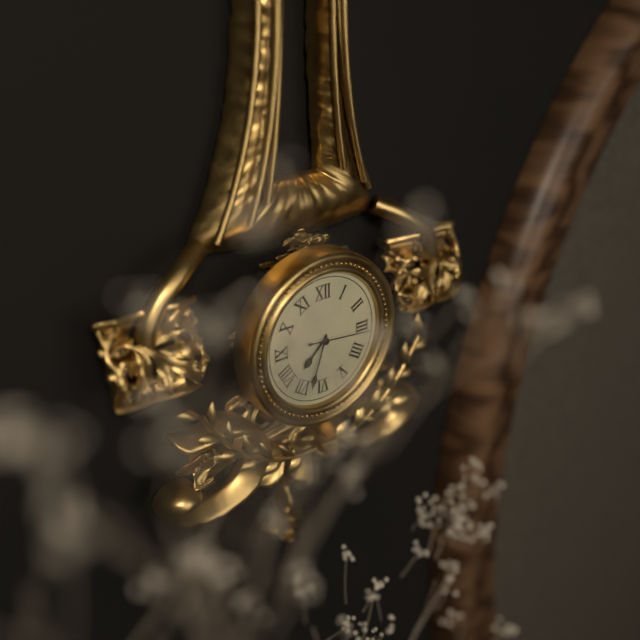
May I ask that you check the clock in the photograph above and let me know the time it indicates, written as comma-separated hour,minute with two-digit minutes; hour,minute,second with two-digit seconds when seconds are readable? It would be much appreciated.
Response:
7,33,16
